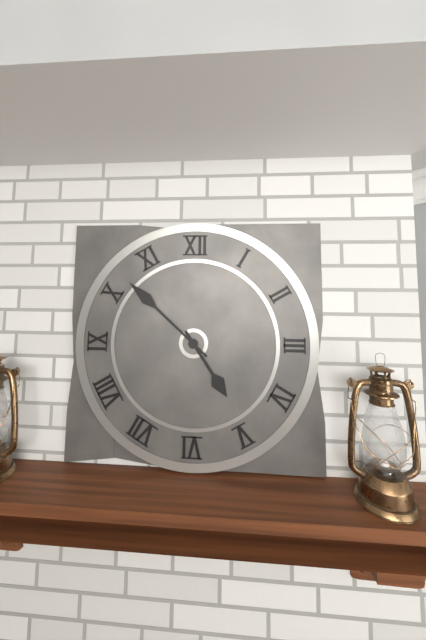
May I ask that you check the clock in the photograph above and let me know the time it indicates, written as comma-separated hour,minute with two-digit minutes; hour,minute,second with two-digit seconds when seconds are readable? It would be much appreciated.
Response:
4,52
